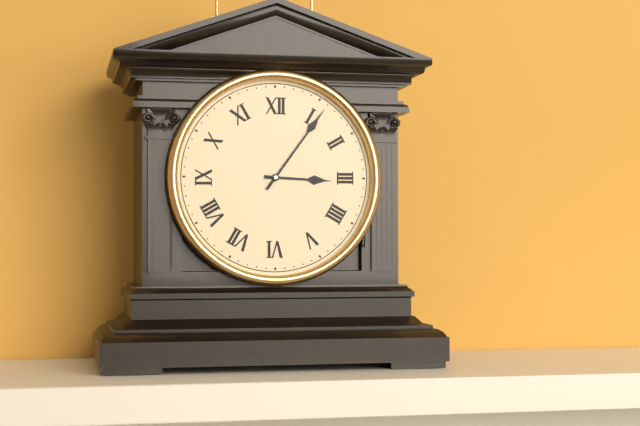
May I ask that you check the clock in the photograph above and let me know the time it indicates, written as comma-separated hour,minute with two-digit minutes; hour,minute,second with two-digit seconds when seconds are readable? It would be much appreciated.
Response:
3,06
